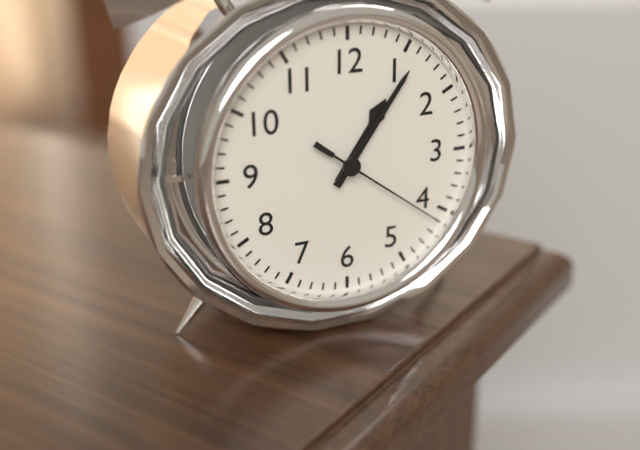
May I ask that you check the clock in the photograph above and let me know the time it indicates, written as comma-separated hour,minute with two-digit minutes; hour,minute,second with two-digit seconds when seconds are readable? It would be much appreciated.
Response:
1,06,21
